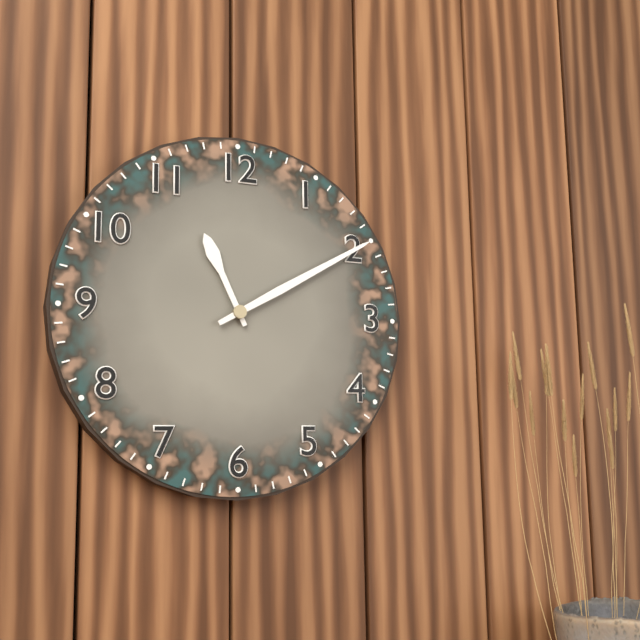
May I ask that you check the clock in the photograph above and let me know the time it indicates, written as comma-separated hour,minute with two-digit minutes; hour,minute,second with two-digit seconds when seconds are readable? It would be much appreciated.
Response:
11,10
